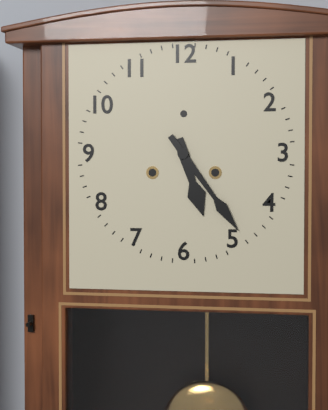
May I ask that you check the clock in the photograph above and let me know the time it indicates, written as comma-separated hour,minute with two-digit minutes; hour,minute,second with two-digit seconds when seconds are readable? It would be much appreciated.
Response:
5,24
